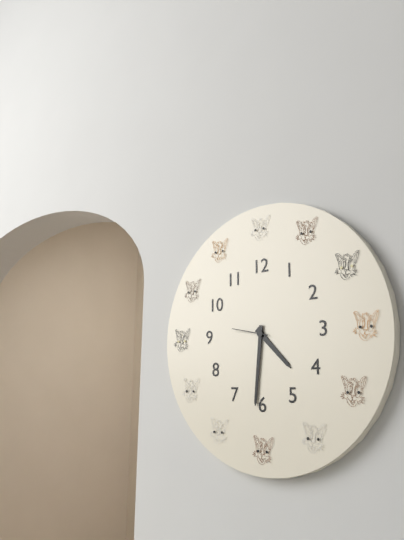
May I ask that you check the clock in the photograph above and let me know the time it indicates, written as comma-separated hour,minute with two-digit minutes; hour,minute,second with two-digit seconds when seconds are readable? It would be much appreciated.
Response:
4,31
